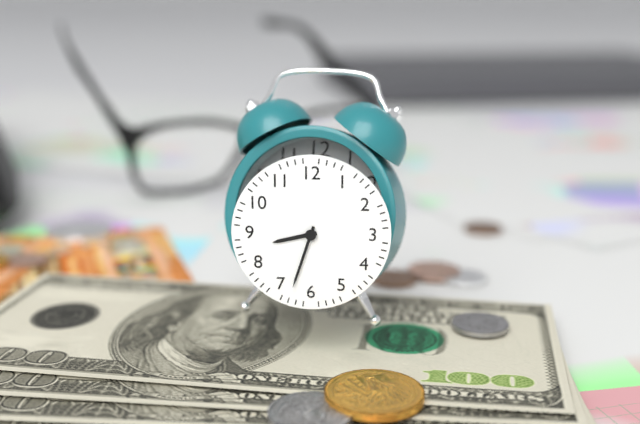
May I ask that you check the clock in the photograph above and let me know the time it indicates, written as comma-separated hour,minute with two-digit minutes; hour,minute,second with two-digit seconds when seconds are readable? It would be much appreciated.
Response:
8,33
